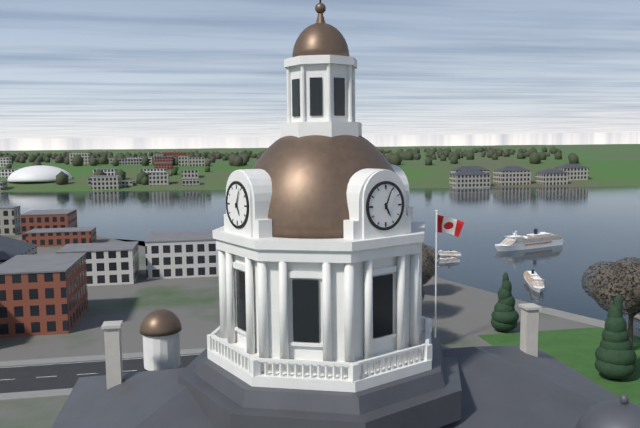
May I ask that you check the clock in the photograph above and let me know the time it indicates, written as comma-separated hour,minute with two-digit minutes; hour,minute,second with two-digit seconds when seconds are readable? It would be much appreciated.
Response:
5,04
